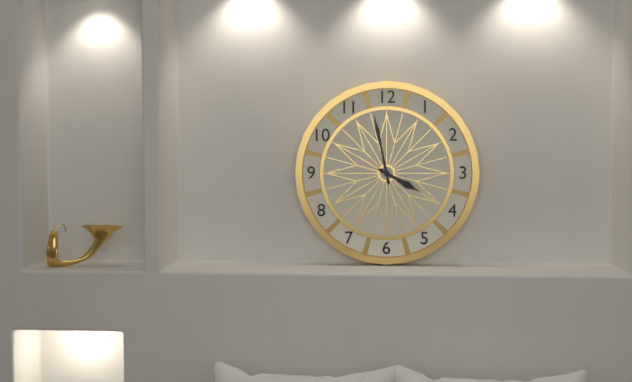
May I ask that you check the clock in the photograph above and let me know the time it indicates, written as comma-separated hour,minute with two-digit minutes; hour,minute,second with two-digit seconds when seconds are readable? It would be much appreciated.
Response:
3,58
